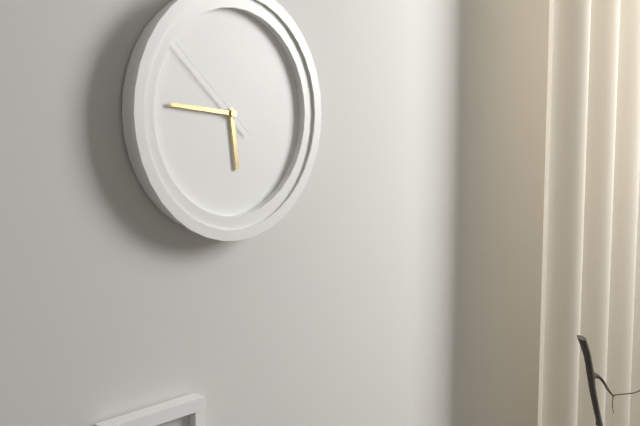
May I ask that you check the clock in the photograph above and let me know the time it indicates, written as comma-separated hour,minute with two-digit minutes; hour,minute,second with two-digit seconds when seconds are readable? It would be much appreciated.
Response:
5,46,52
